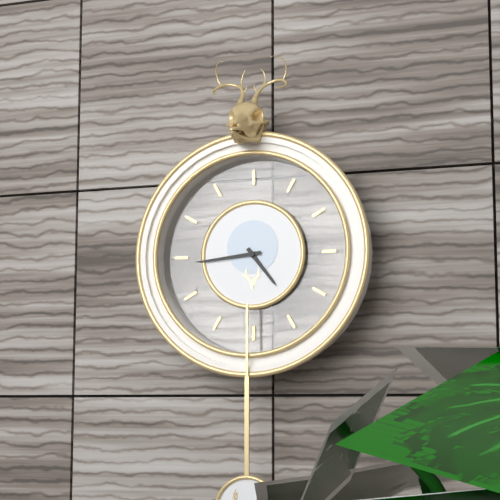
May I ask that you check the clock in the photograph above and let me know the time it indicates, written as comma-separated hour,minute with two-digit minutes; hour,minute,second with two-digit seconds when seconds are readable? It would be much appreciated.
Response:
4,44
